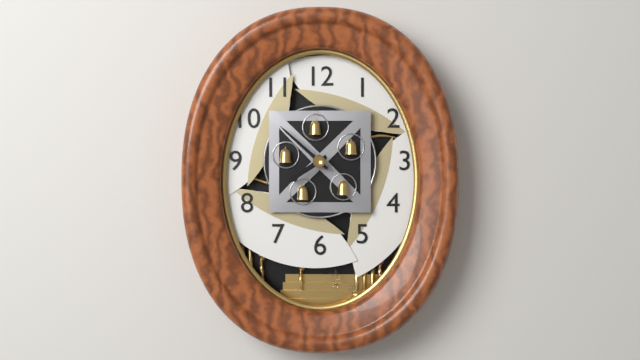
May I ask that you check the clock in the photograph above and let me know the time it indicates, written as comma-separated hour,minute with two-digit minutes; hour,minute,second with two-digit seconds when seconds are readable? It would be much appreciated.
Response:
7,52
